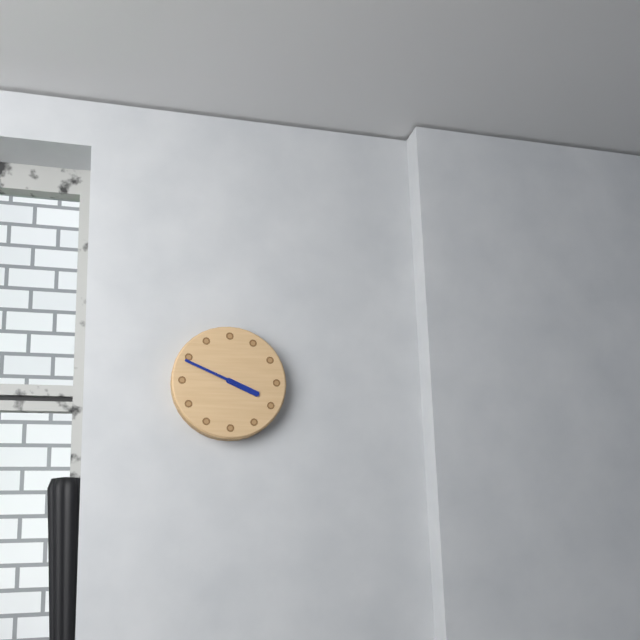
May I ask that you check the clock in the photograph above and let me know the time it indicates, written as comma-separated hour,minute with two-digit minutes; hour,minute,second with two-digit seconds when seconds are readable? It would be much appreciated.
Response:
3,49
